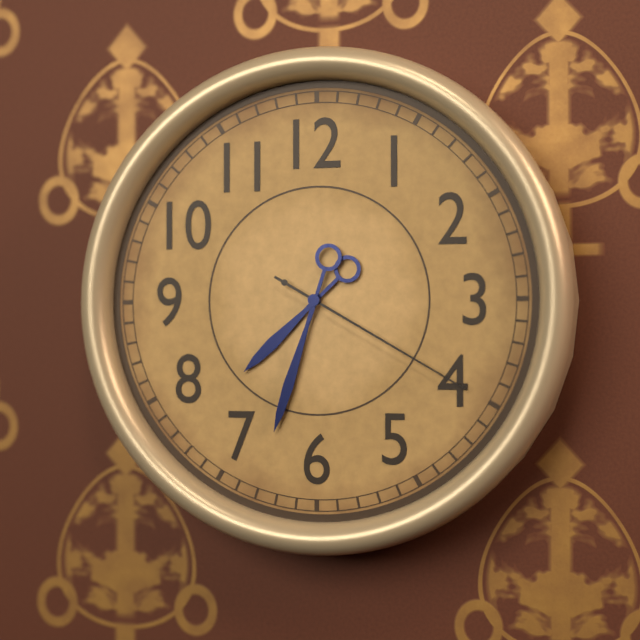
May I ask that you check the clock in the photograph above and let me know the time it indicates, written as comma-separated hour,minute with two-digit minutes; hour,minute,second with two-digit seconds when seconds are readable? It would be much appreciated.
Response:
7,33,20
